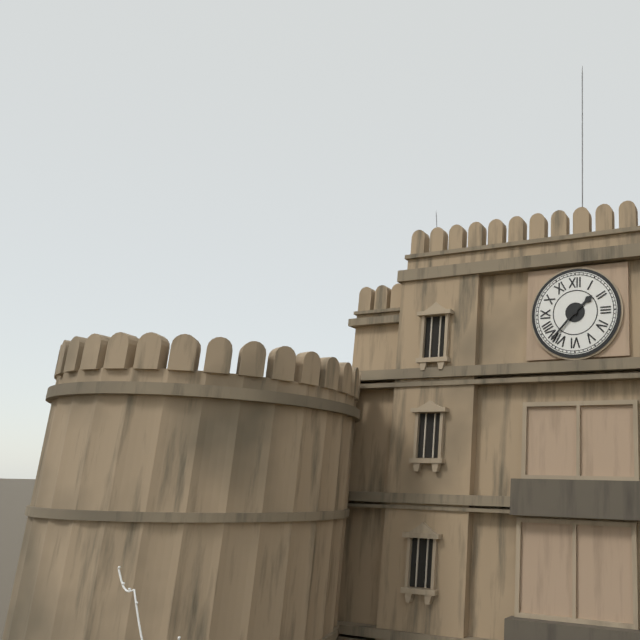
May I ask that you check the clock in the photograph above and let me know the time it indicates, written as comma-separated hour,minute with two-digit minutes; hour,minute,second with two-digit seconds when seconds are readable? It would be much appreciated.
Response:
1,37
